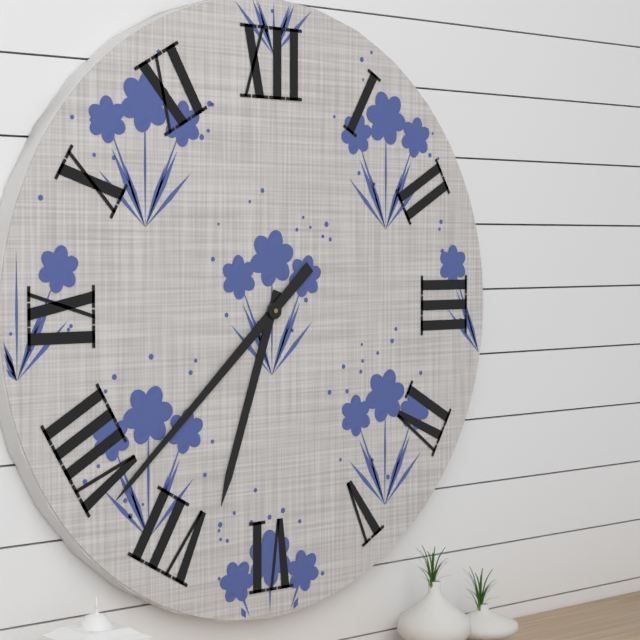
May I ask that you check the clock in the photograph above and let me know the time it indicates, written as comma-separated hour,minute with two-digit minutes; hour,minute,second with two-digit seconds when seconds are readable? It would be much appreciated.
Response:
6,38
